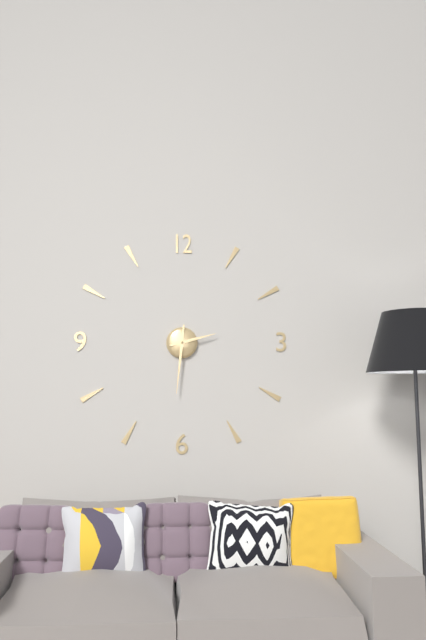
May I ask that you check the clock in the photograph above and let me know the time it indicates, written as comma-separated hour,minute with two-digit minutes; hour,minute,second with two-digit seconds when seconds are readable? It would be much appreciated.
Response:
2,31
